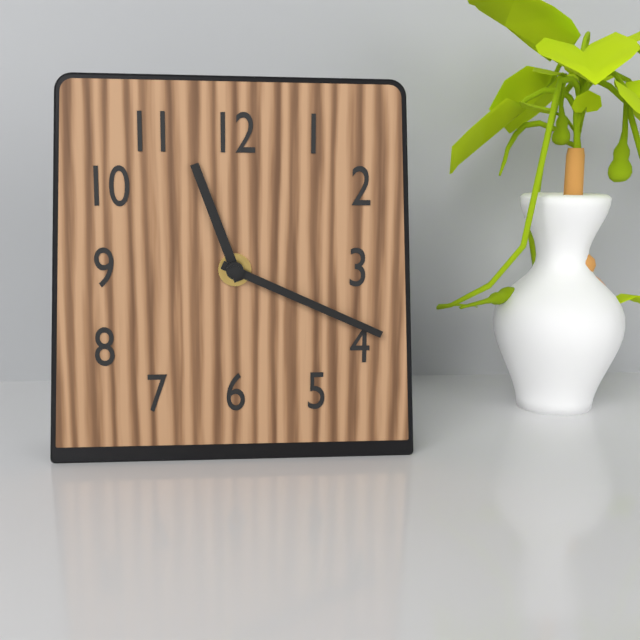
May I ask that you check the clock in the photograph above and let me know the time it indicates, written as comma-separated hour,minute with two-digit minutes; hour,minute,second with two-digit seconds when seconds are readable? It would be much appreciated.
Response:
11,19
